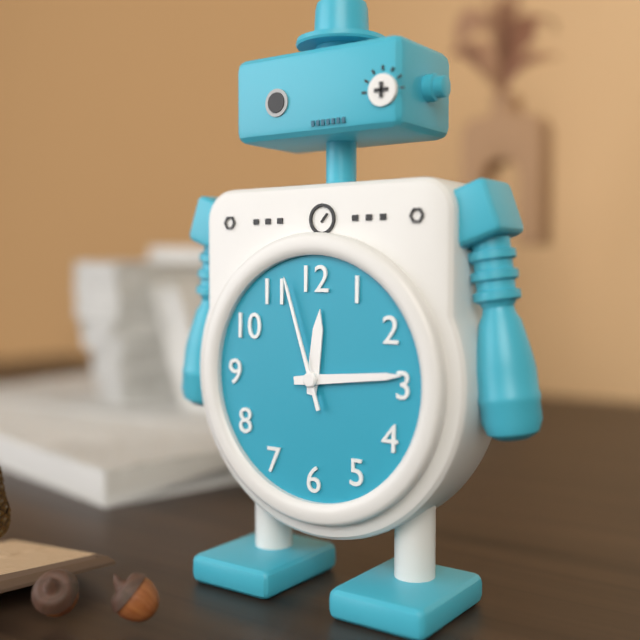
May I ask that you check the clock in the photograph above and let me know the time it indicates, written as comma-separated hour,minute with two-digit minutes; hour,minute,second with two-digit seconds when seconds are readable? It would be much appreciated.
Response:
12,14,57
